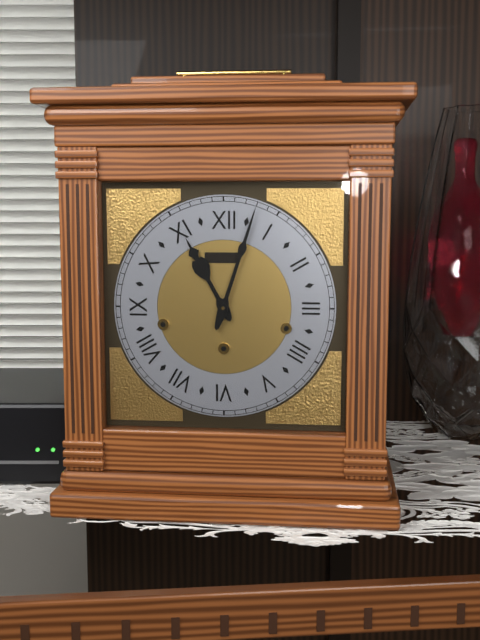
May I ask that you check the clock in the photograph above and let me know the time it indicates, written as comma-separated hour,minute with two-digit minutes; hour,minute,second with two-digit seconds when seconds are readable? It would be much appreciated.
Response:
11,03
